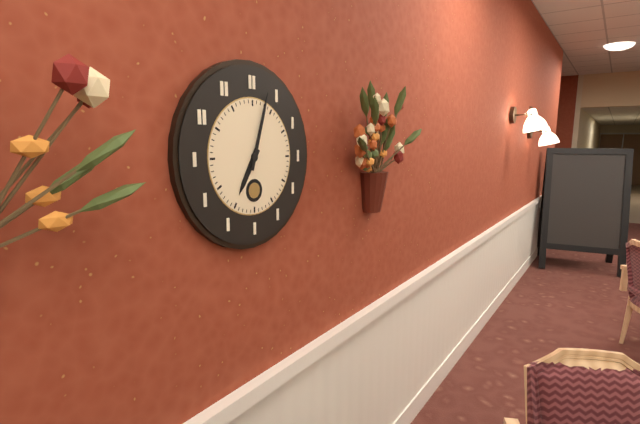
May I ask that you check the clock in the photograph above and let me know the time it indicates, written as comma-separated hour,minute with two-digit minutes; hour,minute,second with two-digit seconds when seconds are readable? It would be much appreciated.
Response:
7,03
